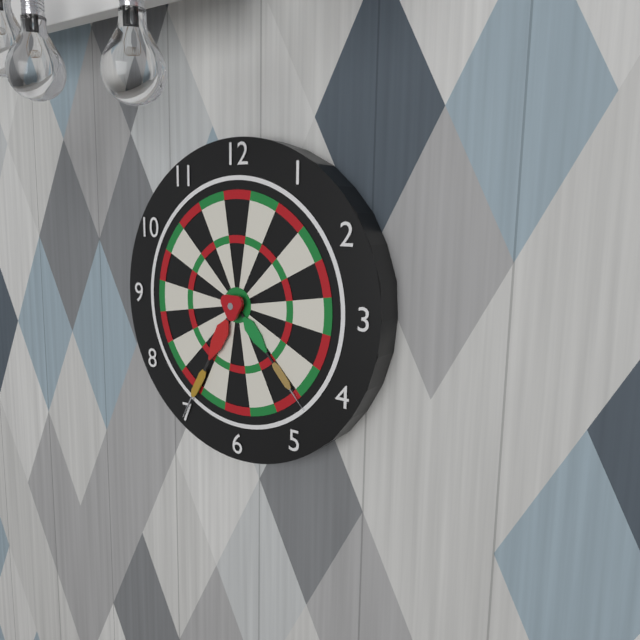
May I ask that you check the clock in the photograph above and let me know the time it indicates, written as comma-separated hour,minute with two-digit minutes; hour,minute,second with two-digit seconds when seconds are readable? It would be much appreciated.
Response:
4,35
